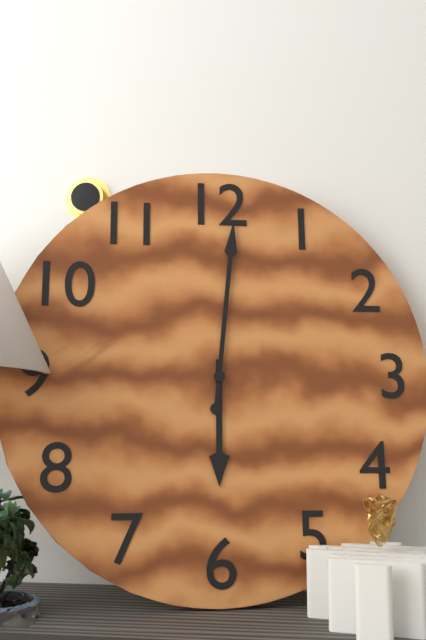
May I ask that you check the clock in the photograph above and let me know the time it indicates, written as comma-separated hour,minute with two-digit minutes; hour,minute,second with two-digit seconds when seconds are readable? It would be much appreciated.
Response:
6,01
